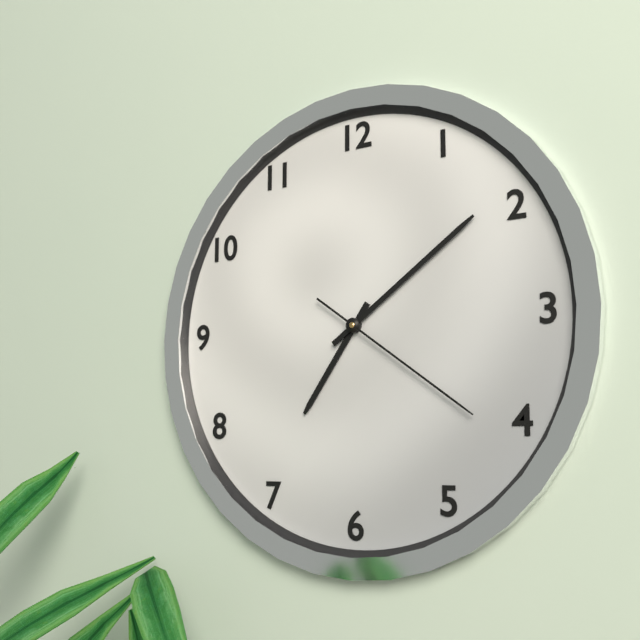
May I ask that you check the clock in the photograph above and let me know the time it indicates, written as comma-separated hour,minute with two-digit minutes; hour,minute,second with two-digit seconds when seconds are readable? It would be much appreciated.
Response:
7,09,21
